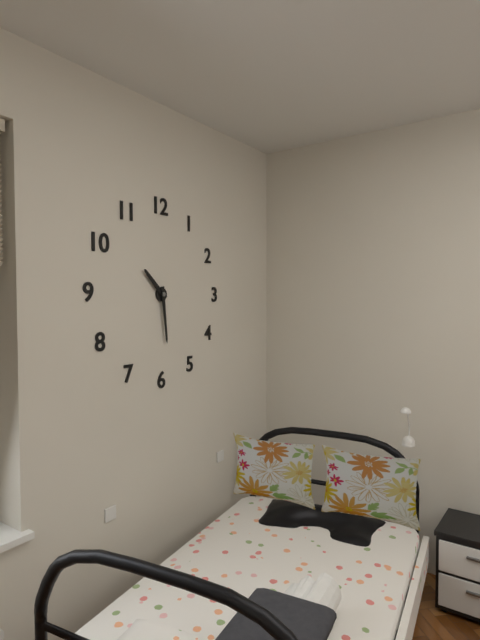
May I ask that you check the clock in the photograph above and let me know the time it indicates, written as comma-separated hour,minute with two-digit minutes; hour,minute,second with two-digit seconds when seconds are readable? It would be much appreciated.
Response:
10,29
